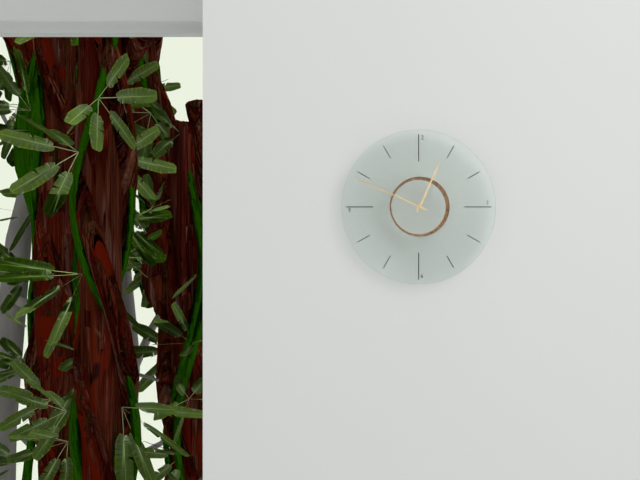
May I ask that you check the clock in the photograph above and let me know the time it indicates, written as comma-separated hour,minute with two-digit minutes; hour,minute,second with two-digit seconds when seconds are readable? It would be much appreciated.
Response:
12,49
